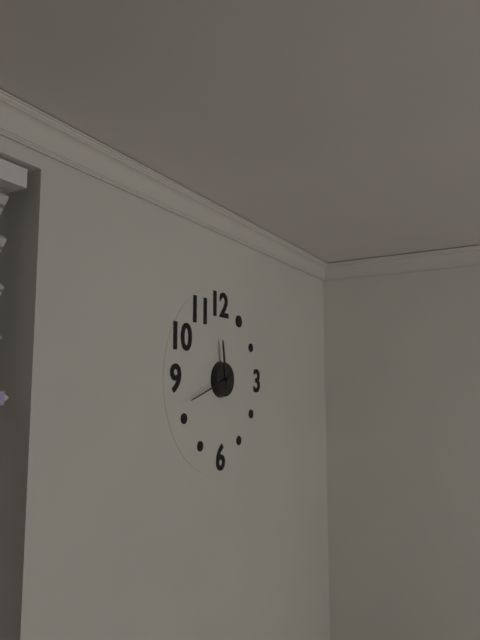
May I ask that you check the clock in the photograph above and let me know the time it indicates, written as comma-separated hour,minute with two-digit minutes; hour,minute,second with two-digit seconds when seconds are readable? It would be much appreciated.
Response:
11,42
